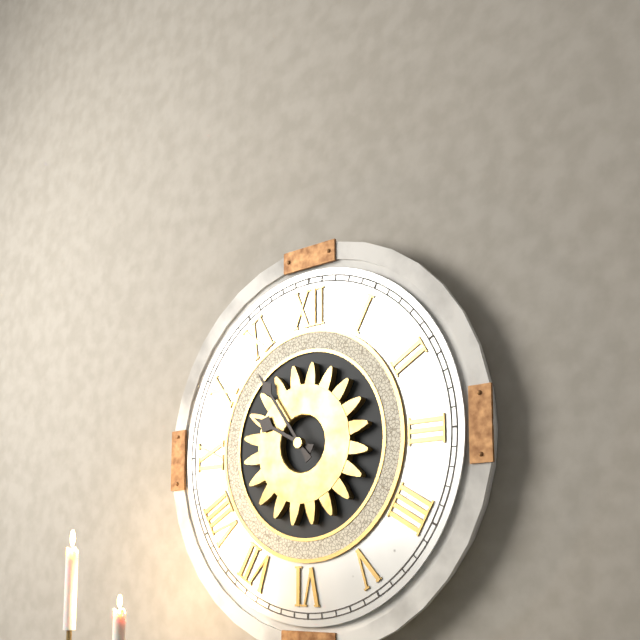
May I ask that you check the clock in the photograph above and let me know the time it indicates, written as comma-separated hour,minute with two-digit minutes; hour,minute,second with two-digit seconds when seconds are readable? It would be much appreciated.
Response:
9,54
